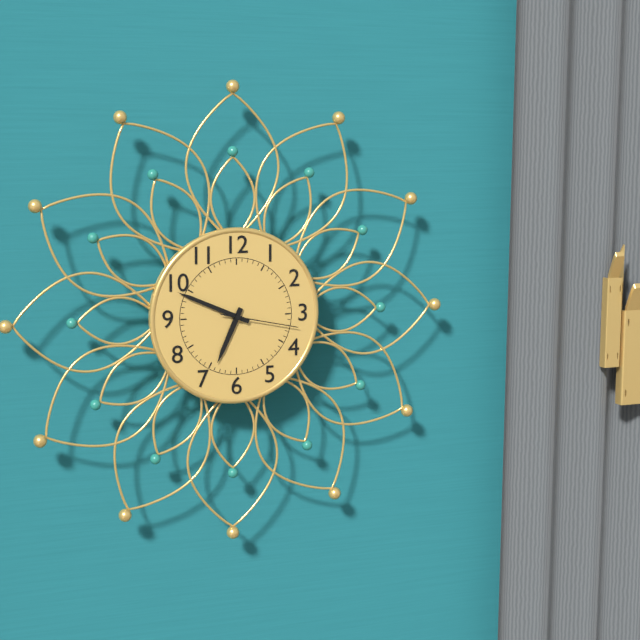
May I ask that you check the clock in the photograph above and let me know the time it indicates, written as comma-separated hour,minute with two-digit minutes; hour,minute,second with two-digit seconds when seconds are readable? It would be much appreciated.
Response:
6,49,17
